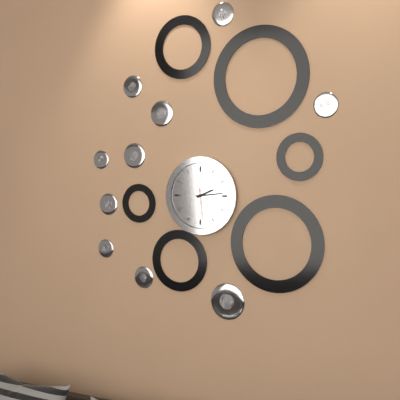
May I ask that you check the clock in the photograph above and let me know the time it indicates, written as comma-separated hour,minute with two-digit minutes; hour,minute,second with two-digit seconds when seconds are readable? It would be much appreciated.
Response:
2,14
